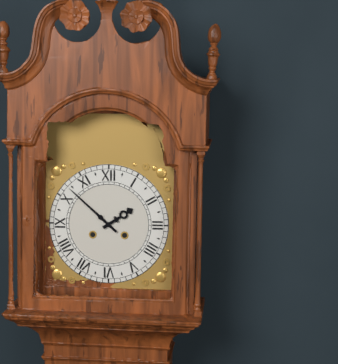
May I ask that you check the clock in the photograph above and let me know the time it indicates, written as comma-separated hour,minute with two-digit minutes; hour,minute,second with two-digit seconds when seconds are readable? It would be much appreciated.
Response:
1,52
